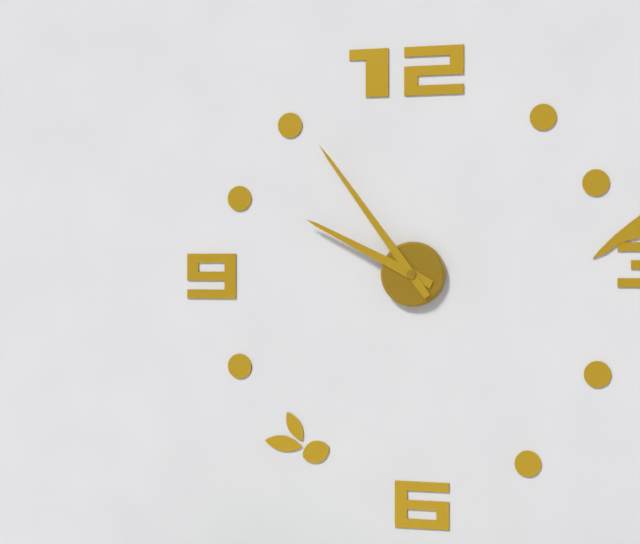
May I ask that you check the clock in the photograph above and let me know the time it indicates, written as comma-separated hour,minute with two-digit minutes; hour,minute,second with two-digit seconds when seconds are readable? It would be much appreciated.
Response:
9,54
